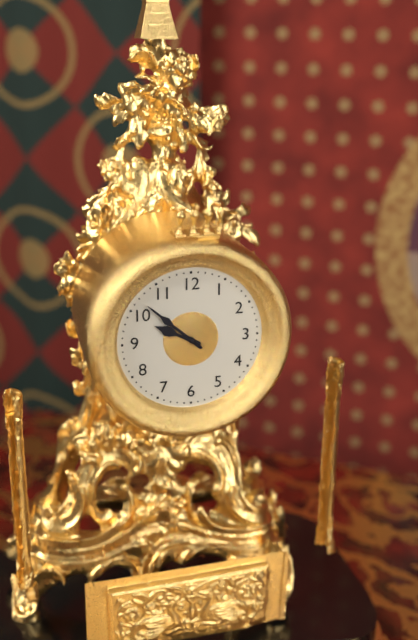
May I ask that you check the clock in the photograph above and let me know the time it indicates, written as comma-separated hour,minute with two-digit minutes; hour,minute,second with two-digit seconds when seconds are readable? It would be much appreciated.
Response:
9,52
